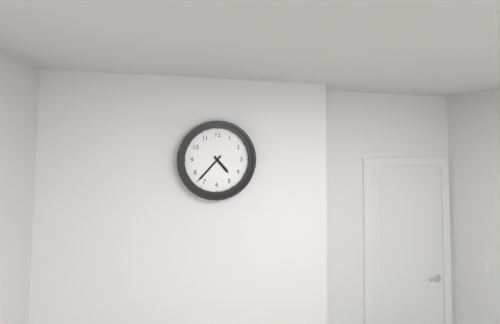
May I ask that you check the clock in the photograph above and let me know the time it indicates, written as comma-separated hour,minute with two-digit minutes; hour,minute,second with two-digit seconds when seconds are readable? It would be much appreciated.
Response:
4,37
